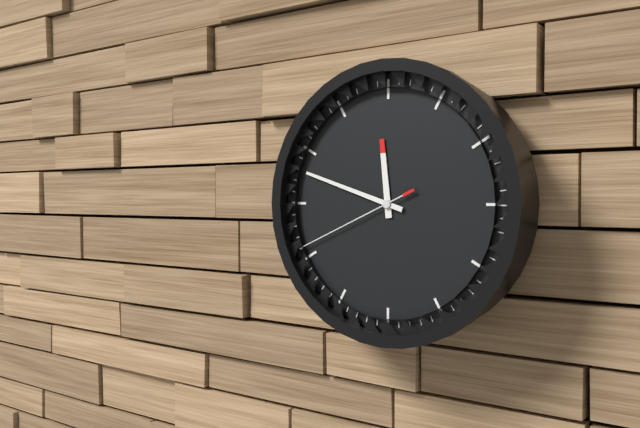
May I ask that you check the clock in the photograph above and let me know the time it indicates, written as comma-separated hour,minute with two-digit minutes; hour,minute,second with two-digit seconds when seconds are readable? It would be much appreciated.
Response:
11,48,41
